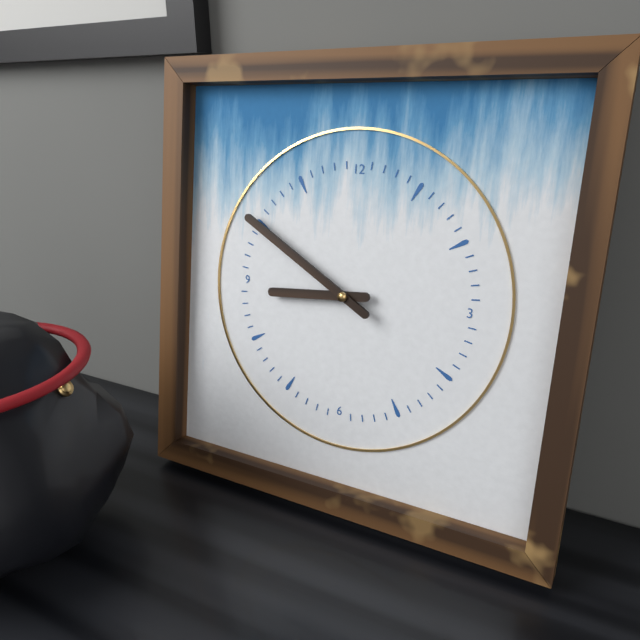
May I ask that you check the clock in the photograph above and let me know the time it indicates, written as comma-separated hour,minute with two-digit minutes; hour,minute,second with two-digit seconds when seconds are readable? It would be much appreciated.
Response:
8,50
